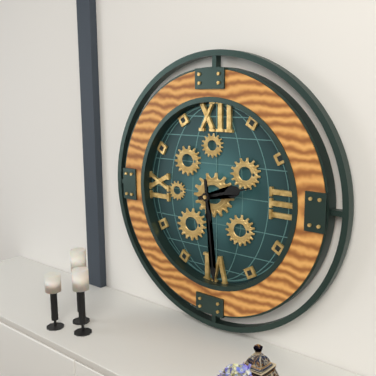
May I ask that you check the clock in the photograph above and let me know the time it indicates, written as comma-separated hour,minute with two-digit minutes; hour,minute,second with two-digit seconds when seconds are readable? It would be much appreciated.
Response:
2,29
